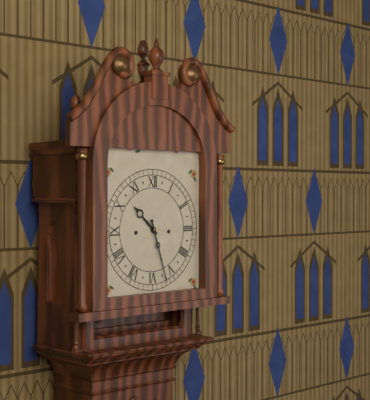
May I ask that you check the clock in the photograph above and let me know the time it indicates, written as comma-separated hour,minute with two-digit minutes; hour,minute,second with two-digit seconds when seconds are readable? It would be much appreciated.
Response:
10,27
